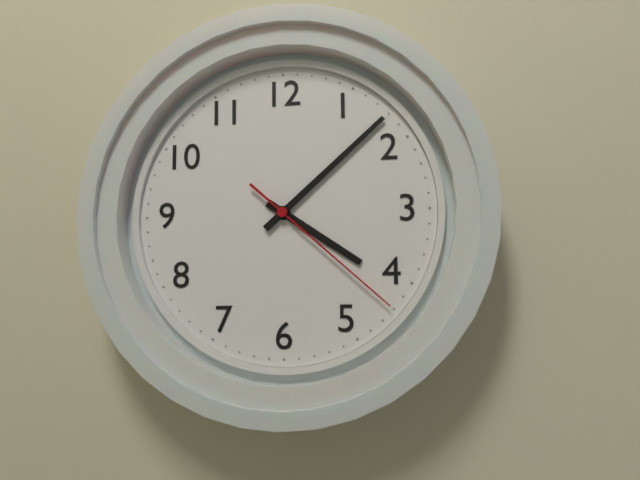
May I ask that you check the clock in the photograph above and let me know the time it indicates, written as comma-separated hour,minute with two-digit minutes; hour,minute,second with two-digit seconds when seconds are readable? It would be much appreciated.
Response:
4,08,22
